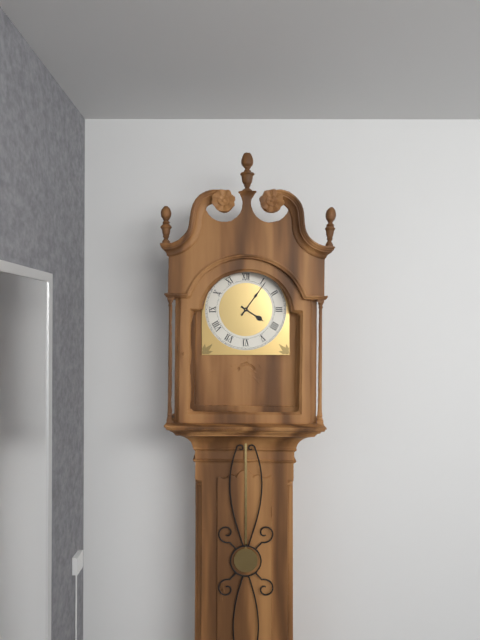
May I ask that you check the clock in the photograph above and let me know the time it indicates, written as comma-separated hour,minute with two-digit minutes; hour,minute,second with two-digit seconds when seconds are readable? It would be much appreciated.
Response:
4,06
